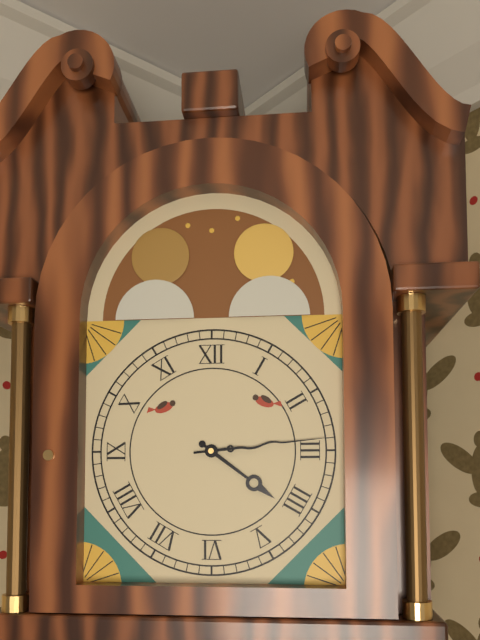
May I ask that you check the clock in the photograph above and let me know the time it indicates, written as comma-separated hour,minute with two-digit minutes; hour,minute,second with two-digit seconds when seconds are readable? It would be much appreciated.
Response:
4,14
